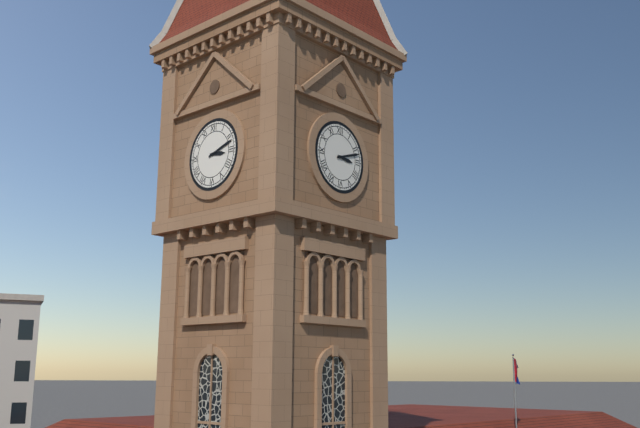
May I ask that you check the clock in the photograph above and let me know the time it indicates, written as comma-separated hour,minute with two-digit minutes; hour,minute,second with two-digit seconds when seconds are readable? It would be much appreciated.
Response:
3,12
